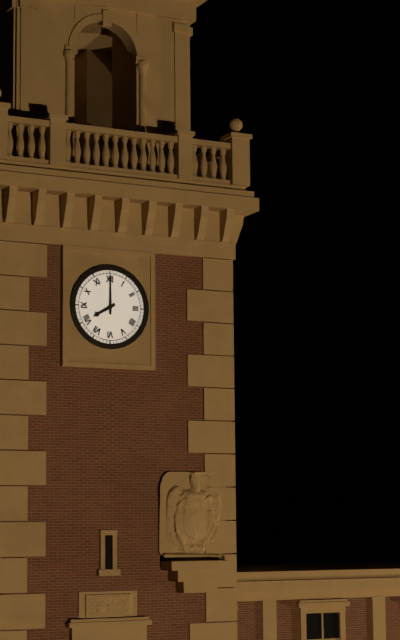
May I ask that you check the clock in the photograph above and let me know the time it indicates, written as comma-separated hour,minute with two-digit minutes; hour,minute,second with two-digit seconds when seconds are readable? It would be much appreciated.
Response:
8,00
